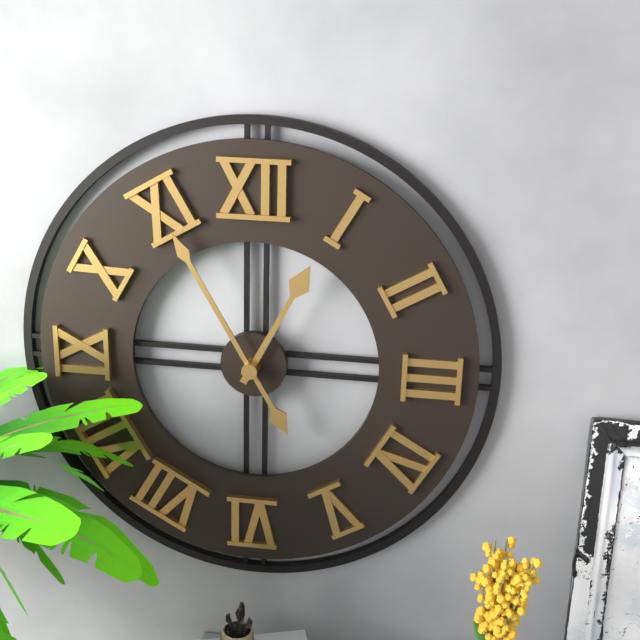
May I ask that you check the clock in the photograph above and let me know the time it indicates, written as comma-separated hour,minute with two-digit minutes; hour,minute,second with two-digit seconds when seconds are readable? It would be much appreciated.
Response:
12,55
